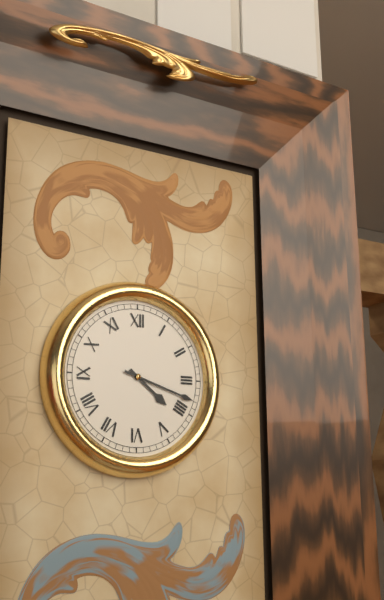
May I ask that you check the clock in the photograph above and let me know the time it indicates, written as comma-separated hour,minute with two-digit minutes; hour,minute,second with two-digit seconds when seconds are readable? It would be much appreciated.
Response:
4,18
